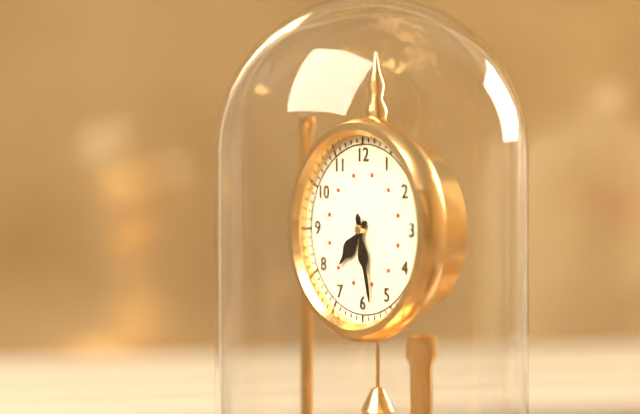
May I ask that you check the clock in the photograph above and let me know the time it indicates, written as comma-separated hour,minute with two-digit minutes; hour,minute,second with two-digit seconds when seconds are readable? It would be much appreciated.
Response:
7,28
